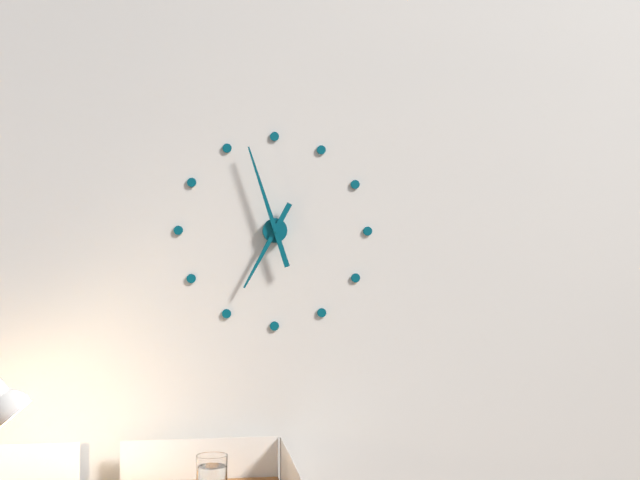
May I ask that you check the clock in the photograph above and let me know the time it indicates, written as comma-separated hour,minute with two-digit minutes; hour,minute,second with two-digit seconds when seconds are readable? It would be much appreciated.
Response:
6,57
